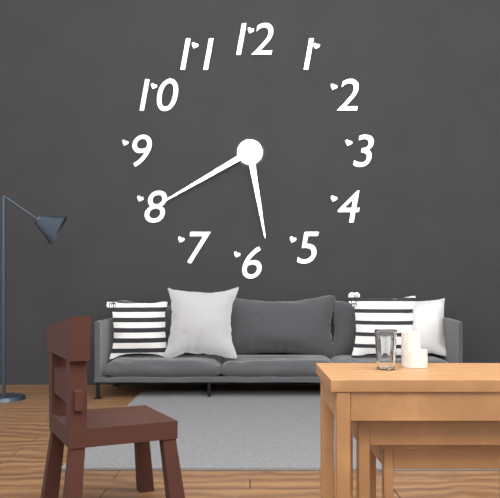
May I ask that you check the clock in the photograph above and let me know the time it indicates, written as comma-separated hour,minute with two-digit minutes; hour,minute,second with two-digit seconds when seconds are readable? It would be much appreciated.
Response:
5,40
